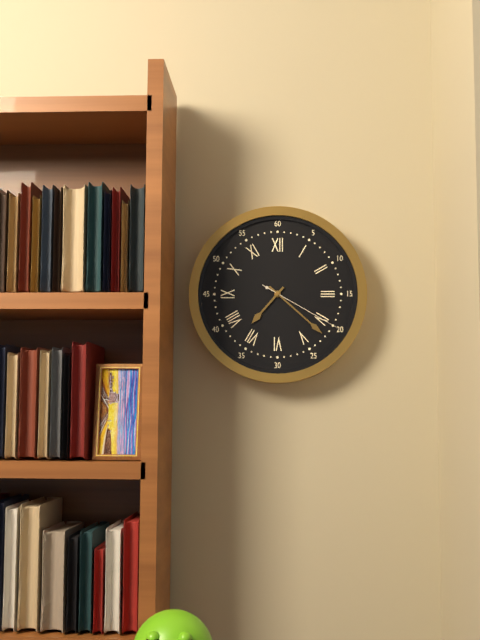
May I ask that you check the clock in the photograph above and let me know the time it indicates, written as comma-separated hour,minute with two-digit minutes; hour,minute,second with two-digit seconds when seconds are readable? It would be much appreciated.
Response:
7,22,20
